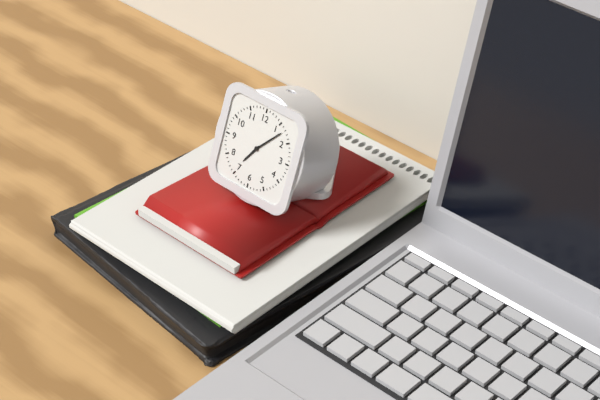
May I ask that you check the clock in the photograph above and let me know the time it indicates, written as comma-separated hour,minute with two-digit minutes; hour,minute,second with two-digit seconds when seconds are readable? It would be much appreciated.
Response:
7,07
